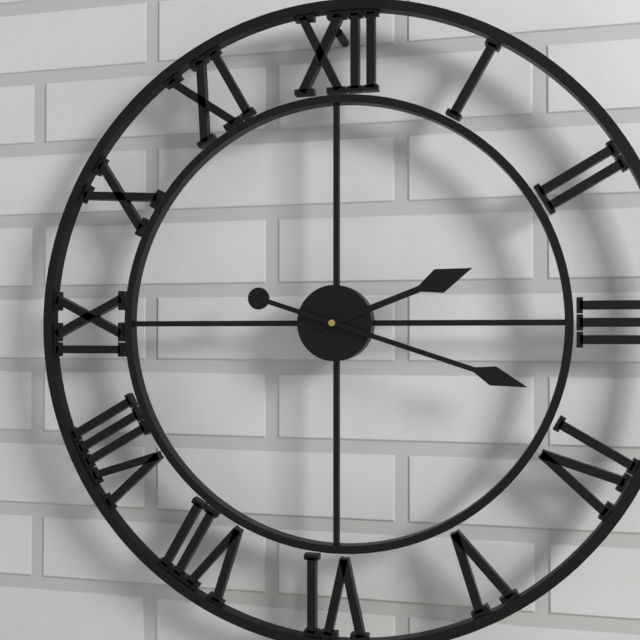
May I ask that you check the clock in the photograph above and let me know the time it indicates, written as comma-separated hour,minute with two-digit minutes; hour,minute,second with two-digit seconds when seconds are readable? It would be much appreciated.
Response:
2,18
